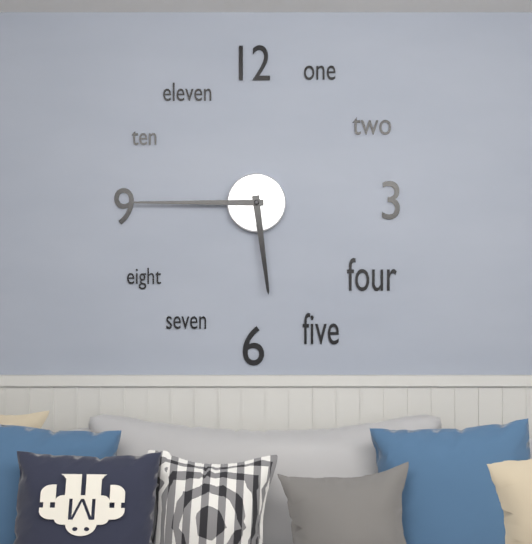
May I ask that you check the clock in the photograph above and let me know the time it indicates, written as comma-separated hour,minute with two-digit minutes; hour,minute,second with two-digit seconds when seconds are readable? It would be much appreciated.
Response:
5,45
